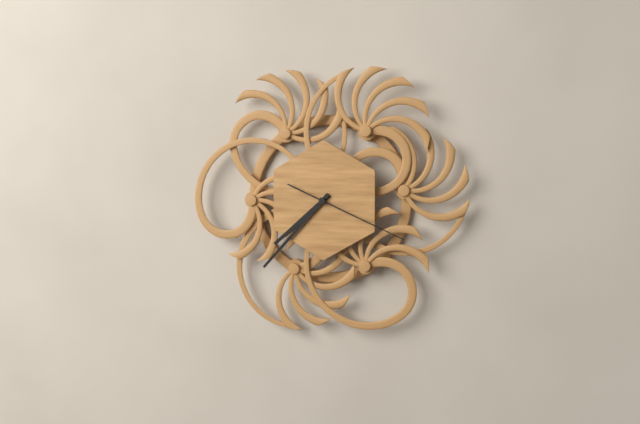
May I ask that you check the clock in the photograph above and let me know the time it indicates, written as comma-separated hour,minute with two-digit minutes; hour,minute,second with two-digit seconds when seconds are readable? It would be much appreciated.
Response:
7,37,19
